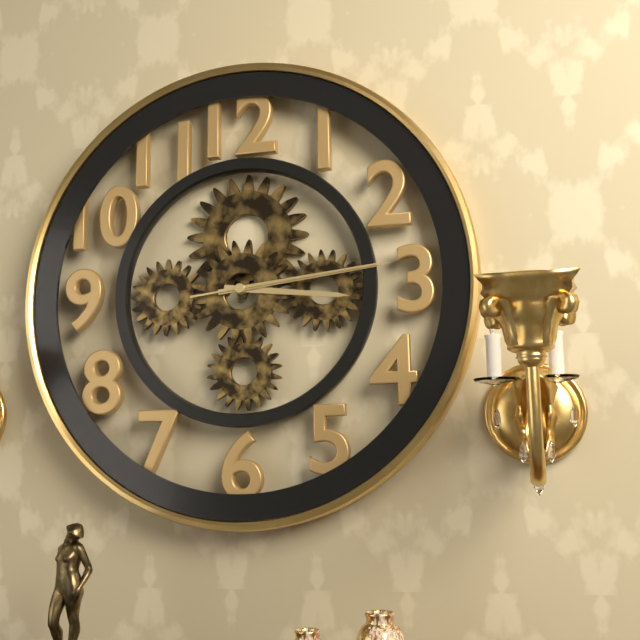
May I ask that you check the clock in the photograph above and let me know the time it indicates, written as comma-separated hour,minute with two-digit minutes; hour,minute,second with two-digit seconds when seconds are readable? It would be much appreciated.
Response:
3,14,14
